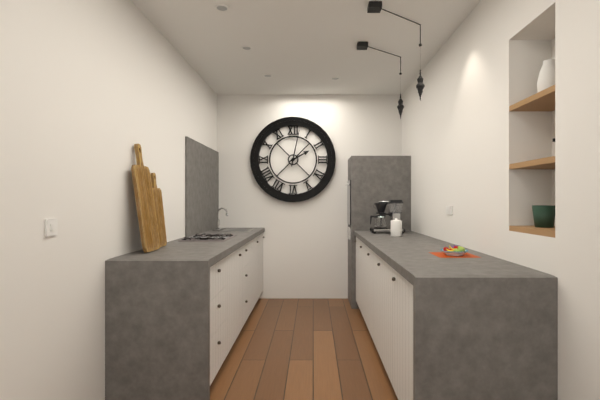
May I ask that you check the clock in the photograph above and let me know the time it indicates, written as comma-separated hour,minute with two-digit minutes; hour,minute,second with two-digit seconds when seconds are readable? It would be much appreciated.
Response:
2,02
